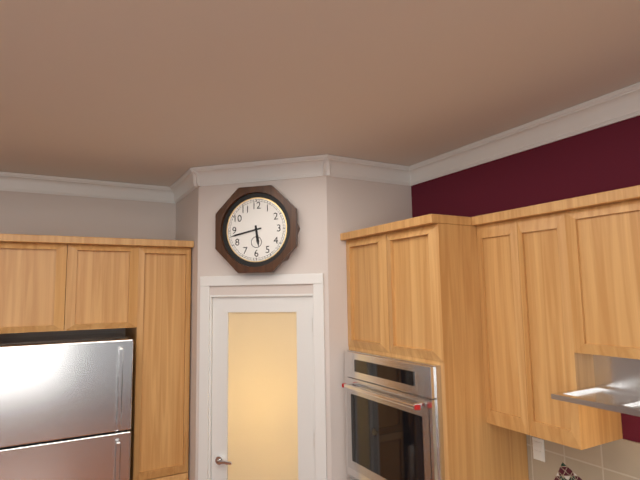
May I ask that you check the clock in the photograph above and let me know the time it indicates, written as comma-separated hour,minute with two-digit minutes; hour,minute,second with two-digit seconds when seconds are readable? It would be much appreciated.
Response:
5,43
